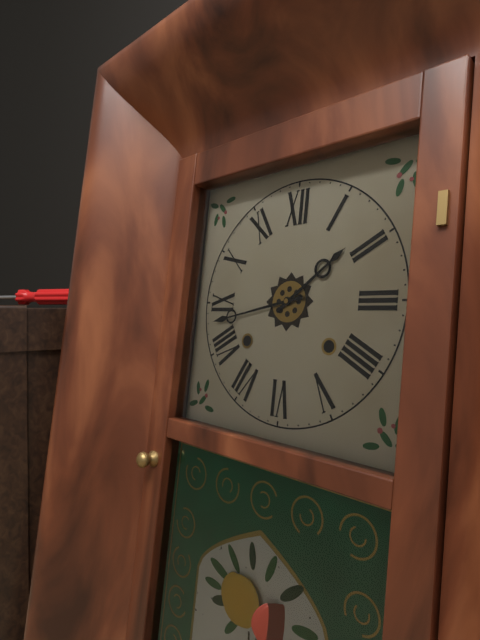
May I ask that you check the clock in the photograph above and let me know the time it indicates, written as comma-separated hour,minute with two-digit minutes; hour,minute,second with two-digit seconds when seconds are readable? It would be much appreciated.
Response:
1,43
